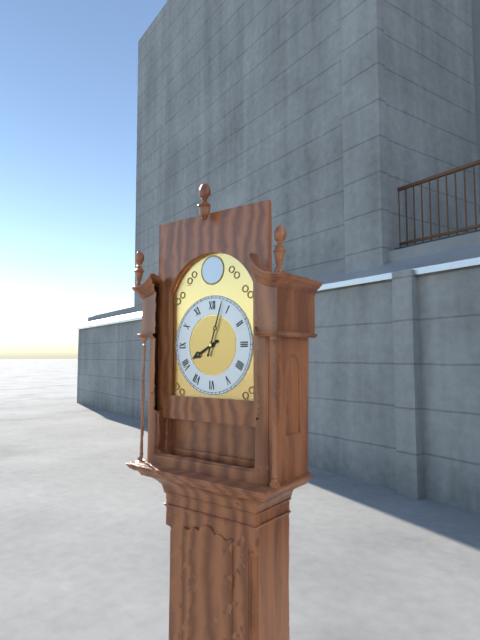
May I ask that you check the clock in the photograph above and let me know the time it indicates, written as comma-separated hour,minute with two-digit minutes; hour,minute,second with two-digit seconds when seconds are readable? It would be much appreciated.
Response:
8,03
